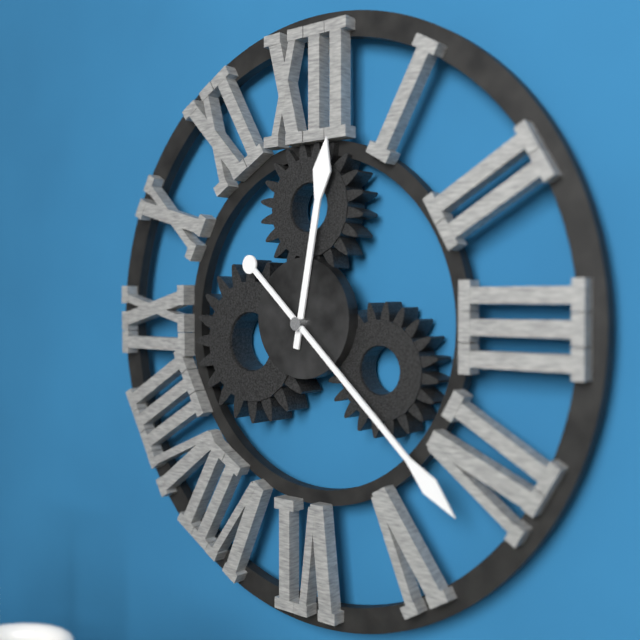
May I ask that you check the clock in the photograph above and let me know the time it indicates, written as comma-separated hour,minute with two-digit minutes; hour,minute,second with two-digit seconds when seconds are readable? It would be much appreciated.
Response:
12,22
